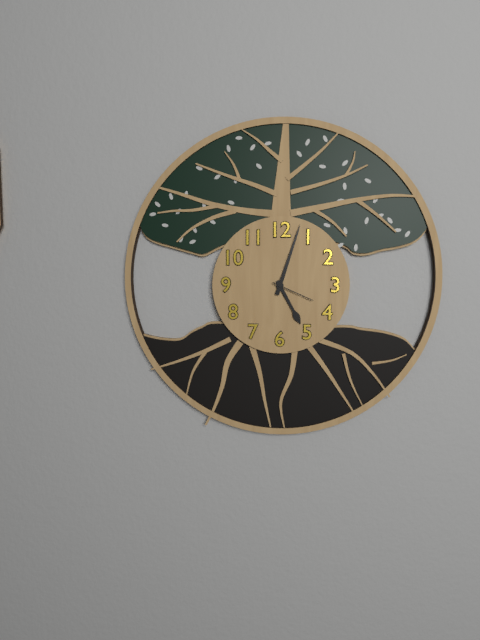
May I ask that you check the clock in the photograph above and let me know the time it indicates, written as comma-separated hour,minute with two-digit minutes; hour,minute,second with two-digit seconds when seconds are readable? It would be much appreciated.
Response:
5,03
